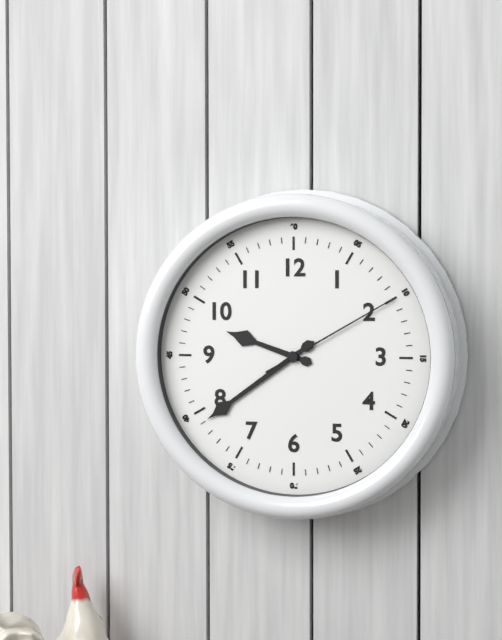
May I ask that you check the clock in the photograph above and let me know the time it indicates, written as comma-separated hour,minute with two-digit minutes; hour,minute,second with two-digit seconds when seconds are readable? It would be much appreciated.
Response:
9,39,10
